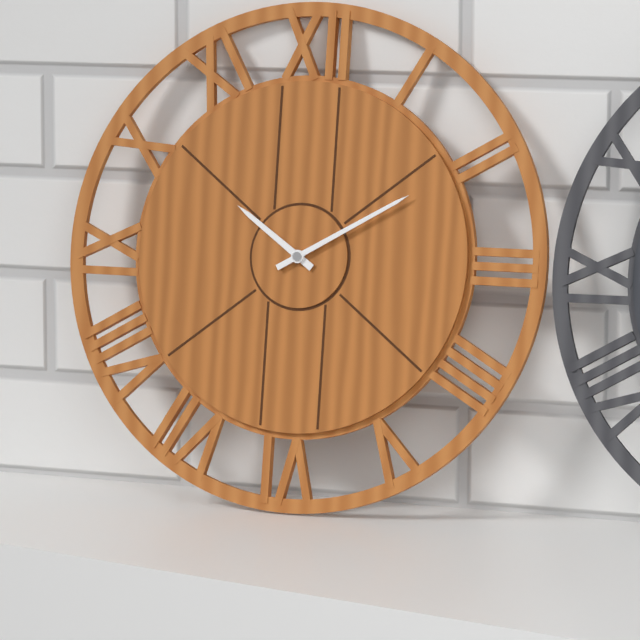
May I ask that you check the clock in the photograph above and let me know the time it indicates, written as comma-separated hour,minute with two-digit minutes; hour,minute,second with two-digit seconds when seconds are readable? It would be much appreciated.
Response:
10,10
